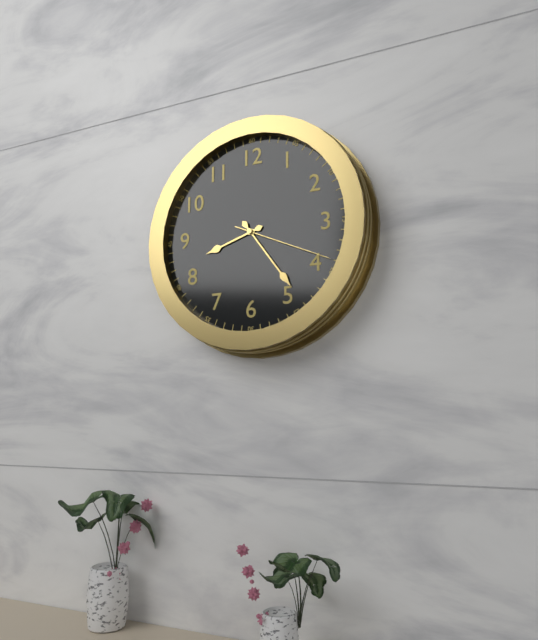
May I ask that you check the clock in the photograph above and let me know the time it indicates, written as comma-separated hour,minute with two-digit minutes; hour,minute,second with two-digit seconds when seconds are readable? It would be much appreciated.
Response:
8,24,19
